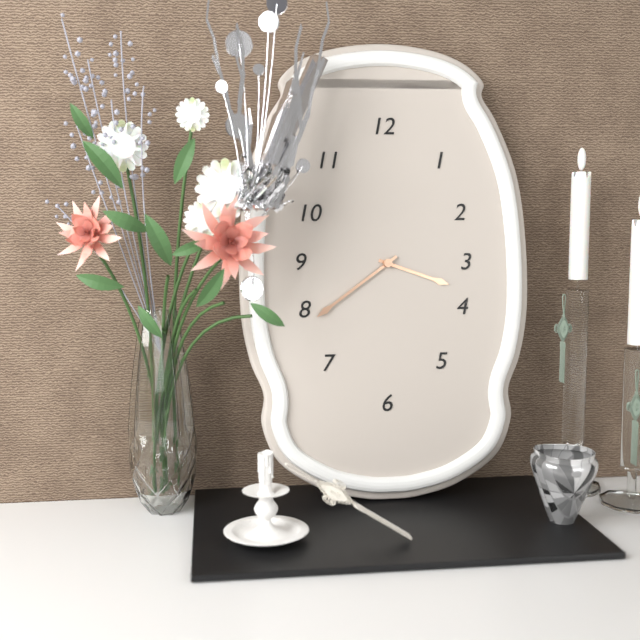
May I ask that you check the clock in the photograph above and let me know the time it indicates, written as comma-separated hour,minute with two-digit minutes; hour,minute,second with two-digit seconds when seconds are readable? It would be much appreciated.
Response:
3,39
